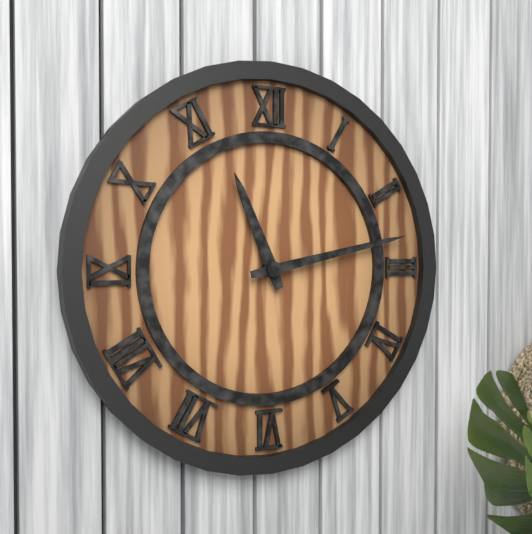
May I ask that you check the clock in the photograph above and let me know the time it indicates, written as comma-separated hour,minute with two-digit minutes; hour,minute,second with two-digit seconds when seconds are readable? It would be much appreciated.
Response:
11,13
